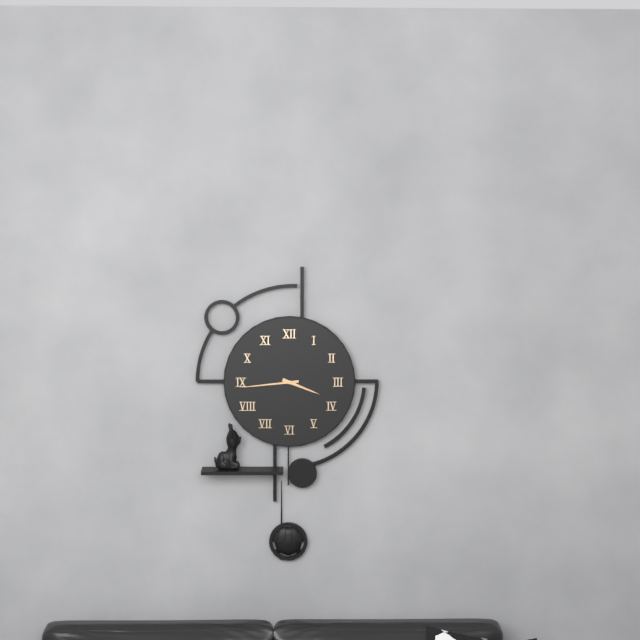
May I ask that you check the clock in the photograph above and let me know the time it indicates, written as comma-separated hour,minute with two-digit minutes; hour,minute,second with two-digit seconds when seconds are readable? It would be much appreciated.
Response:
3,44
